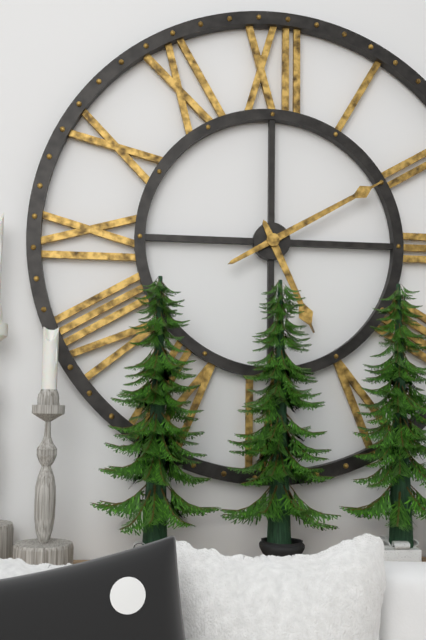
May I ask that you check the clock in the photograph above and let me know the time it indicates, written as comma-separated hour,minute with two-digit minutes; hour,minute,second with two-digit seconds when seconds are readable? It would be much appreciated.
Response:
5,10
